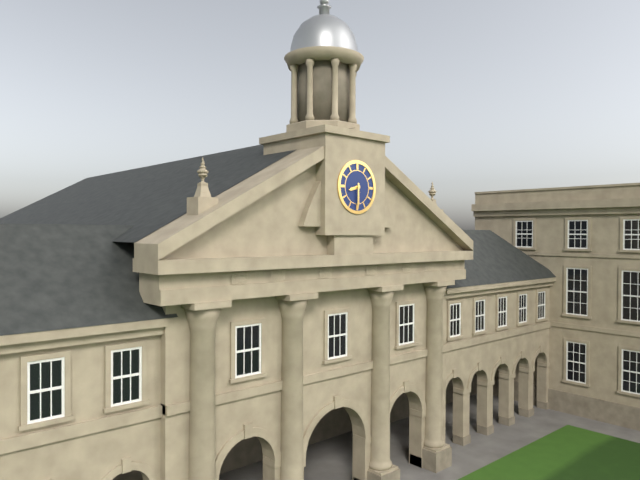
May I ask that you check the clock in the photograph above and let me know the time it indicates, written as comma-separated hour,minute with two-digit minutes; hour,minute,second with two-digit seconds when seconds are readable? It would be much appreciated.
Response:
8,30
